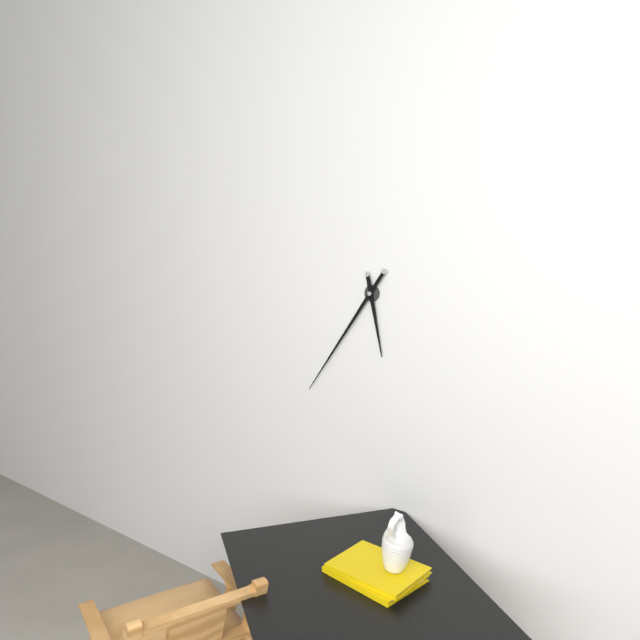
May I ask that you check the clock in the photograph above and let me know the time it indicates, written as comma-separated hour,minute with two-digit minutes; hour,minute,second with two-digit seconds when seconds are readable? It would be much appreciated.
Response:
5,36
